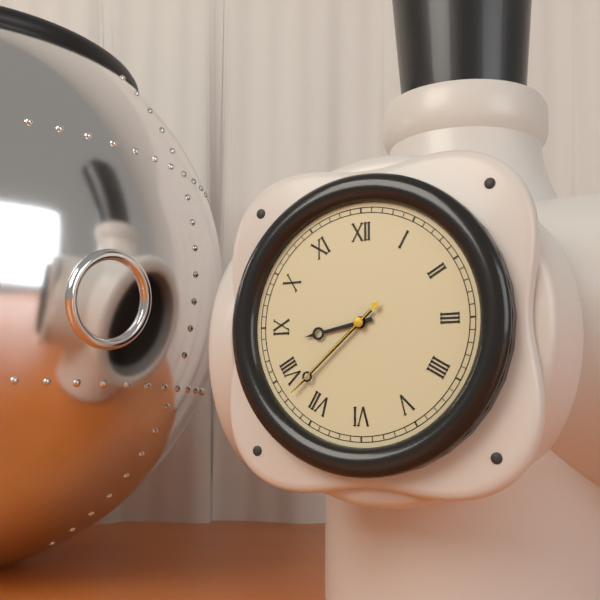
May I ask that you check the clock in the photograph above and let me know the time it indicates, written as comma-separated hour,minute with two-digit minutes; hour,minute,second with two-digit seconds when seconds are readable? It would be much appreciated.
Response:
8,38,38
